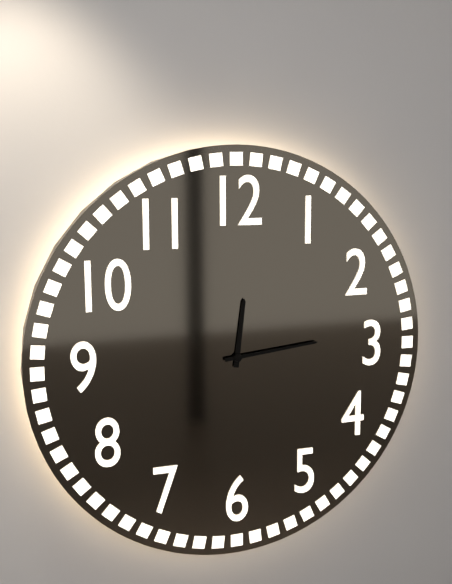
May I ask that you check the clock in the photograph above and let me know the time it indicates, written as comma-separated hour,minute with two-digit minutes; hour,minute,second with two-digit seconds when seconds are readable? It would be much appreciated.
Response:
12,14
